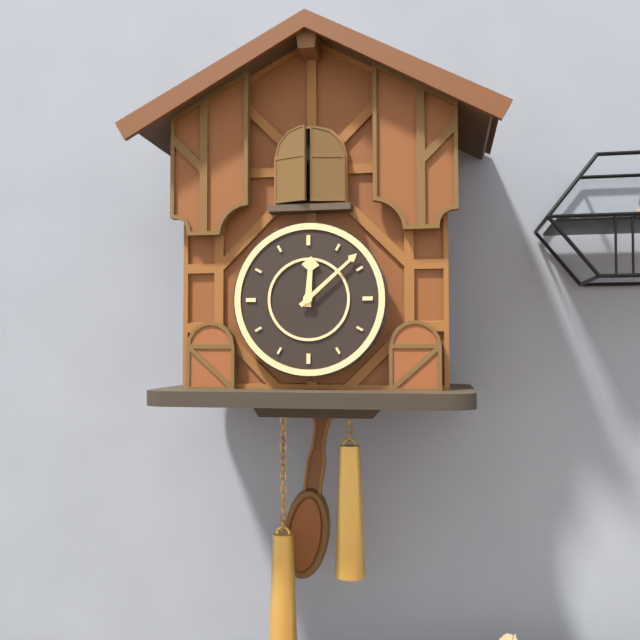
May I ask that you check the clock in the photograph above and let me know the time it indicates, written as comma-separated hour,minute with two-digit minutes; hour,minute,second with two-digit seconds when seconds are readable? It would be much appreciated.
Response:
12,08
